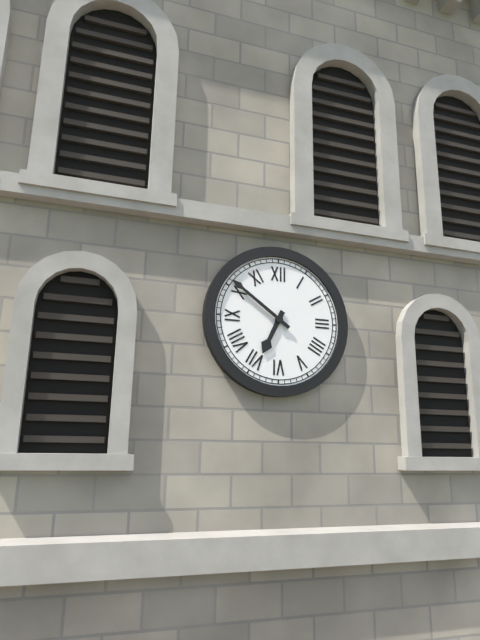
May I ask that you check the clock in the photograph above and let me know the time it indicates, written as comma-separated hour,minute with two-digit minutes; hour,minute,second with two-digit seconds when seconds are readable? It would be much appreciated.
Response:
6,51
